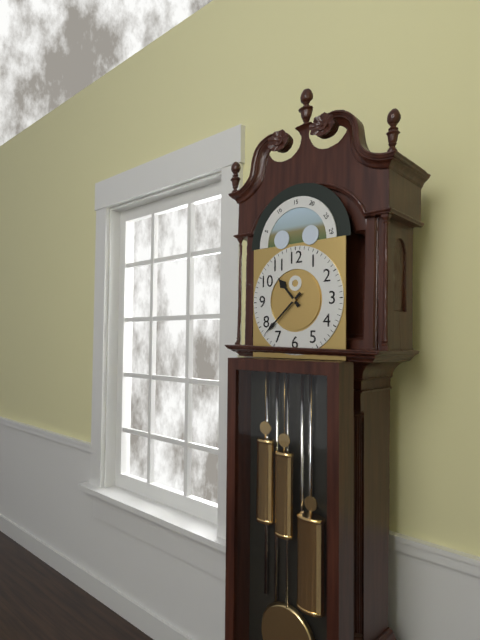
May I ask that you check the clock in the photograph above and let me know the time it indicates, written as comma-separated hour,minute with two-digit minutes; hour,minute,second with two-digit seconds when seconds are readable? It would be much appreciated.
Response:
10,38
